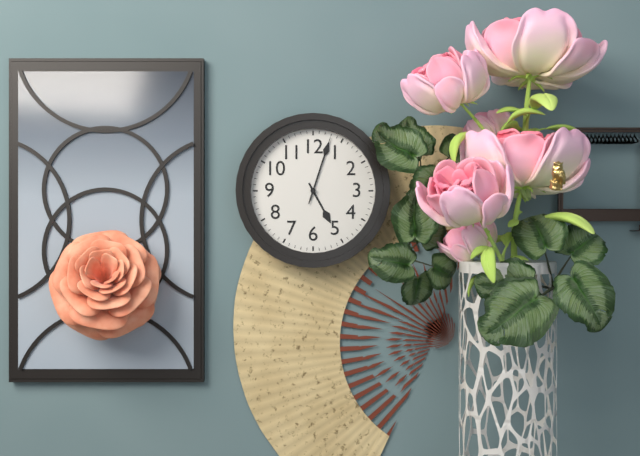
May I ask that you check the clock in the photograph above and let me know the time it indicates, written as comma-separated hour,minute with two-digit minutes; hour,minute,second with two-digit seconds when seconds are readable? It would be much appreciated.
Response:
5,03,03
